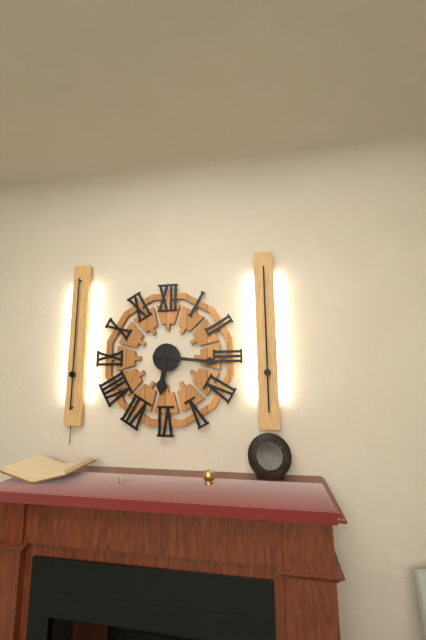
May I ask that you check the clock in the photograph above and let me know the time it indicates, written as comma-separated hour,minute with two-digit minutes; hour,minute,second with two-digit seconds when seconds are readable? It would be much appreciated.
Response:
6,16
